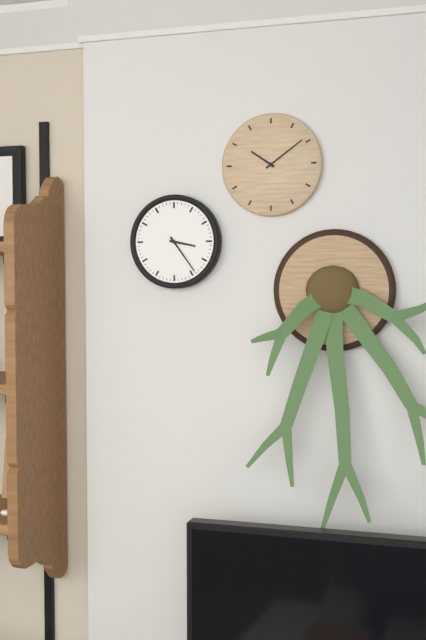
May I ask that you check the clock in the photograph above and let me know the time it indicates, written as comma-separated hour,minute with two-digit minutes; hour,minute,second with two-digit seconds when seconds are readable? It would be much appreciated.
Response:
3,24
